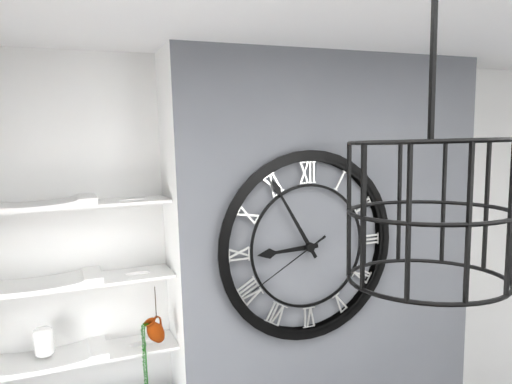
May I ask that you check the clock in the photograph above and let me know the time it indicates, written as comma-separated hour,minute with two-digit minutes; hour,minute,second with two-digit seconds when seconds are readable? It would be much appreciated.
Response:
8,55,40
